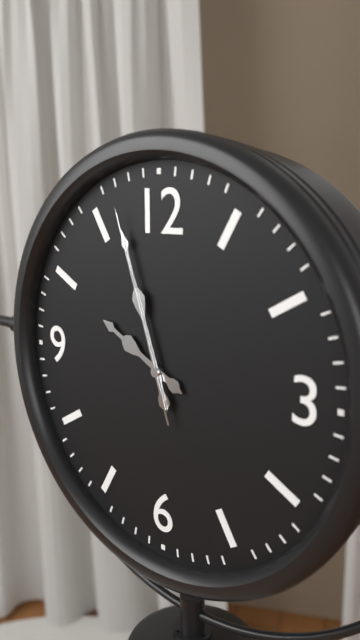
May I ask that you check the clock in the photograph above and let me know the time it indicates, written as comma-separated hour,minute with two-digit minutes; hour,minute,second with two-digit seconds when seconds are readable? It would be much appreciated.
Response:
9,57,57
